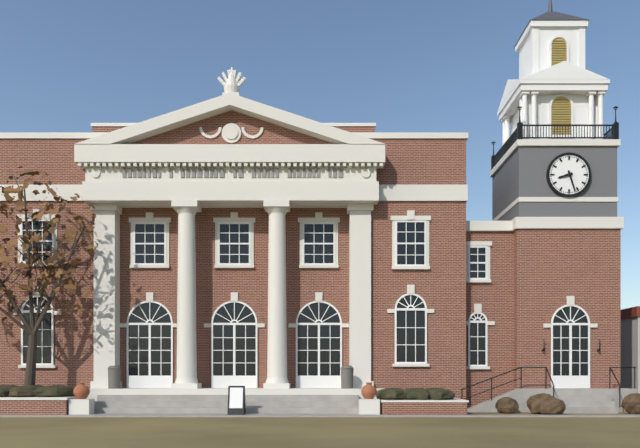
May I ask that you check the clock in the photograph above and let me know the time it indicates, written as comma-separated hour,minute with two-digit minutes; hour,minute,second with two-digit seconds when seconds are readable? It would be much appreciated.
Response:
8,27
